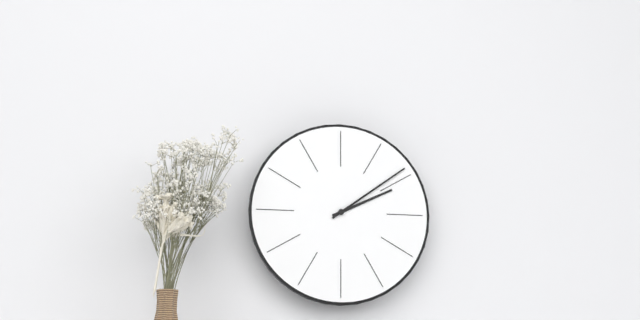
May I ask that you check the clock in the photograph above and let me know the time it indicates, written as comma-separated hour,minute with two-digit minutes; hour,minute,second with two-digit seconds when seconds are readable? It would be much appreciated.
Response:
2,09
